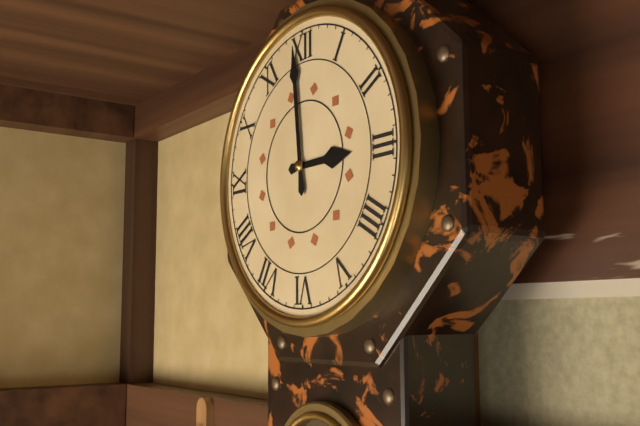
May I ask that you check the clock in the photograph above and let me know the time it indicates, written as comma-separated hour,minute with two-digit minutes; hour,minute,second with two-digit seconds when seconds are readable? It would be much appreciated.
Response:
2,59
